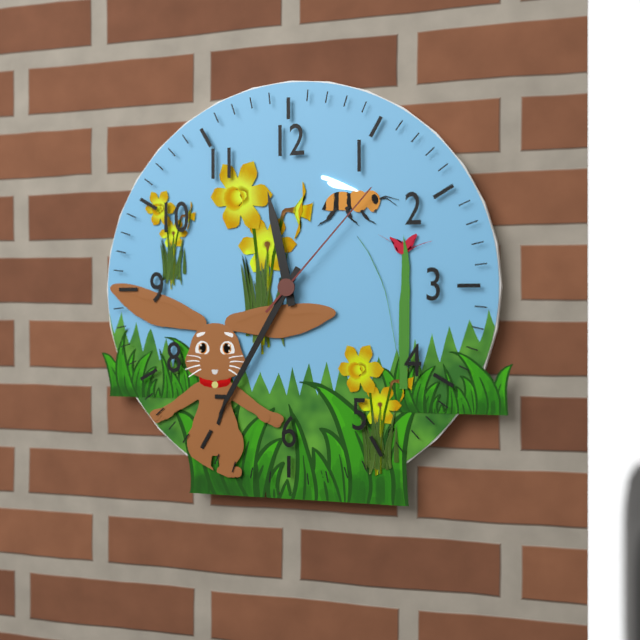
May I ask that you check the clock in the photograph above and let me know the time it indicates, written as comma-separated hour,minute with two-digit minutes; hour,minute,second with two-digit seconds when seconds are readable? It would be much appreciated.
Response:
11,35,07
